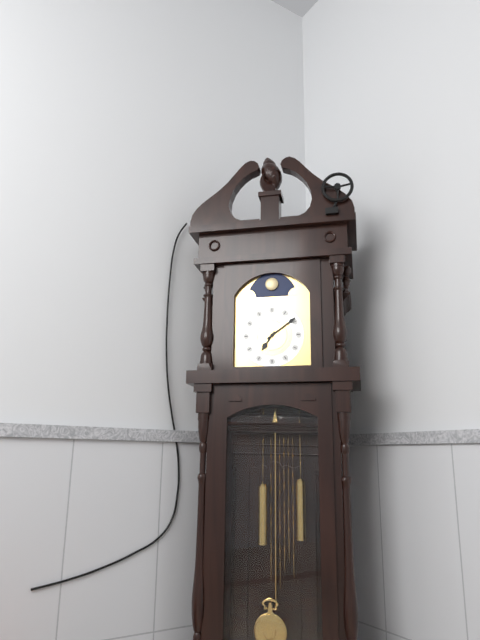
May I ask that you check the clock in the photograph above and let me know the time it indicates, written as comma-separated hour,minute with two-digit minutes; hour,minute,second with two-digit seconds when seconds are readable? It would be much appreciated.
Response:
7,09
